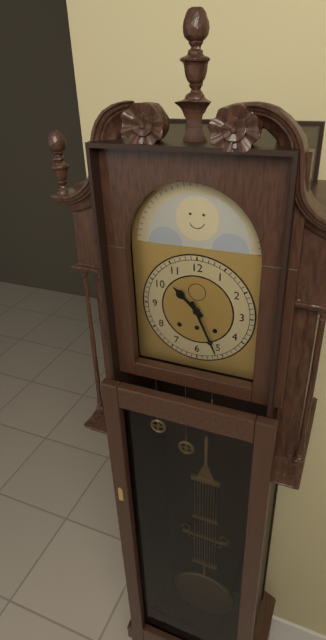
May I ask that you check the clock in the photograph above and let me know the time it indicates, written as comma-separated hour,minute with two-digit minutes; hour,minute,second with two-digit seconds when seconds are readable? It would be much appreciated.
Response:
10,26
